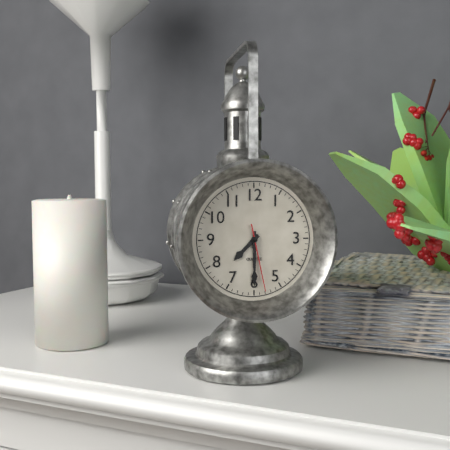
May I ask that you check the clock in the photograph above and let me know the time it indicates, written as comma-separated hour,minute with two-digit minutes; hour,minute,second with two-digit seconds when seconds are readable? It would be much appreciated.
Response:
7,30,28
